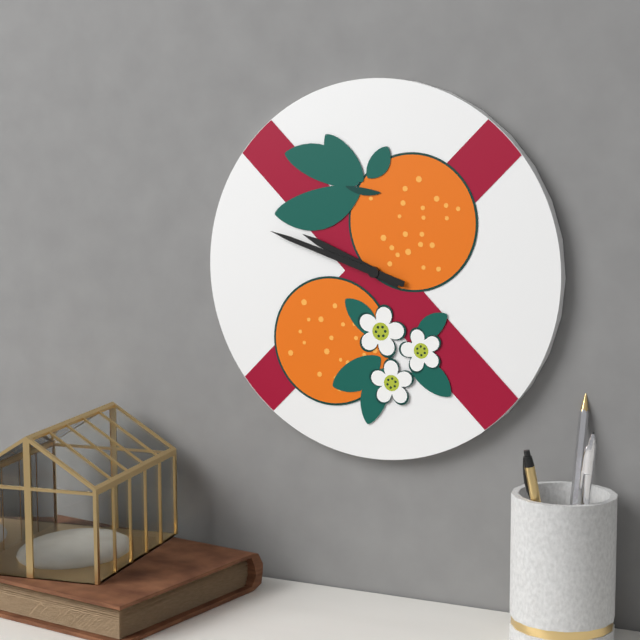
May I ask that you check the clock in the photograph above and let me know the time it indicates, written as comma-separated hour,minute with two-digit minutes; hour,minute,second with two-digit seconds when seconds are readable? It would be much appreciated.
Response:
9,48
